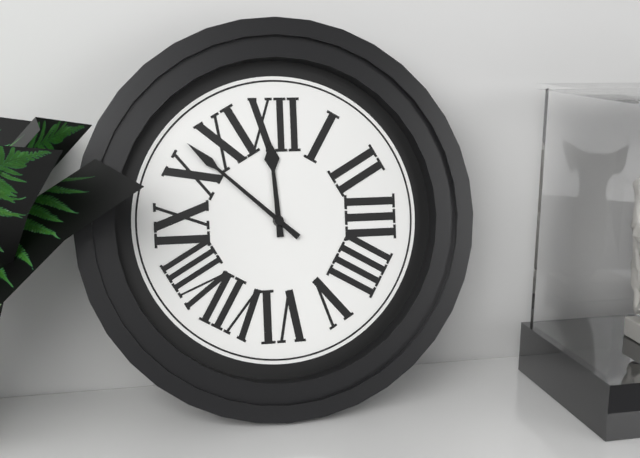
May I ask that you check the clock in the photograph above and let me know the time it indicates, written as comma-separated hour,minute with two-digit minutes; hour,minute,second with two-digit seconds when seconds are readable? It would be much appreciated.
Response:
11,52
